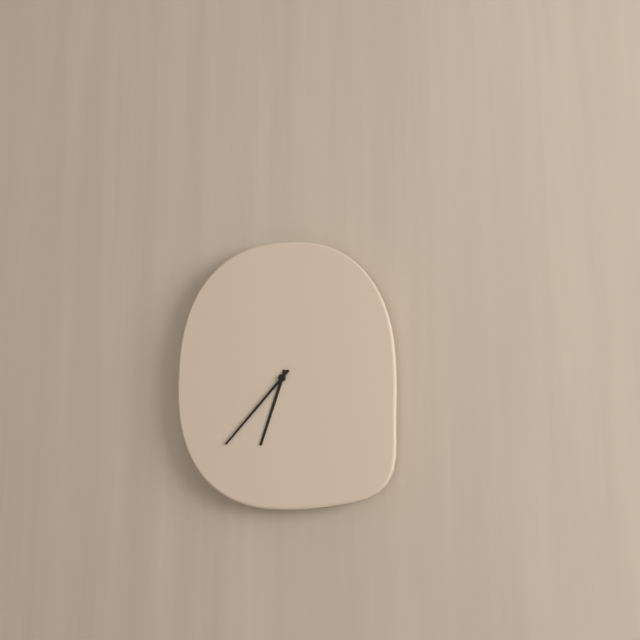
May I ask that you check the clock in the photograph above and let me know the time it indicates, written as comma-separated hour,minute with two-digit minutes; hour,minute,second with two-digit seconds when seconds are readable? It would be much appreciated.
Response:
6,37
